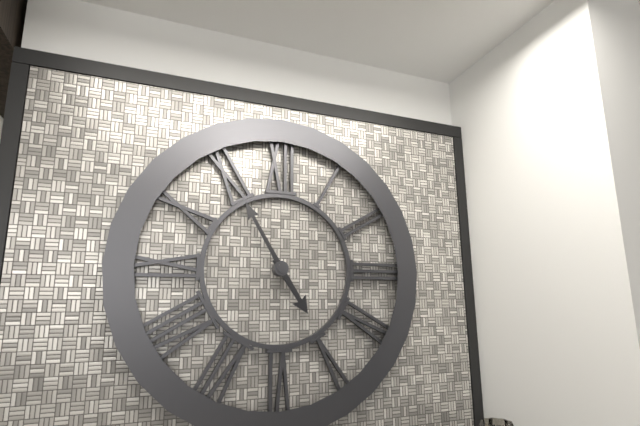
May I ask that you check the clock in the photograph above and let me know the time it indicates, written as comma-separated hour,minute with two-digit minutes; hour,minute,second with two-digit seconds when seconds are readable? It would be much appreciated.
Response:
4,55
